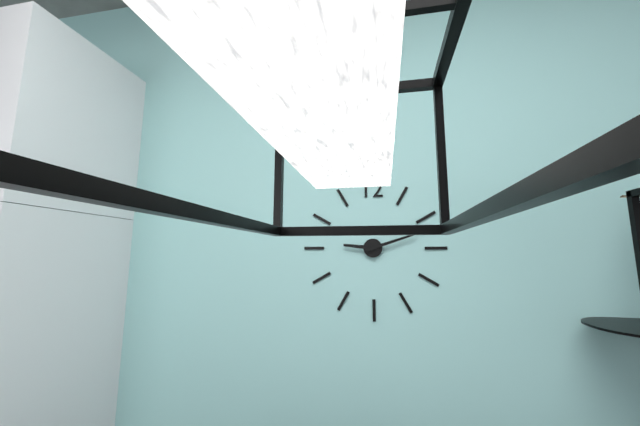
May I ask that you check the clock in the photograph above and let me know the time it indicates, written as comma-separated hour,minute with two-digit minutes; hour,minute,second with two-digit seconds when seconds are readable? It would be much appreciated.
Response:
9,12
